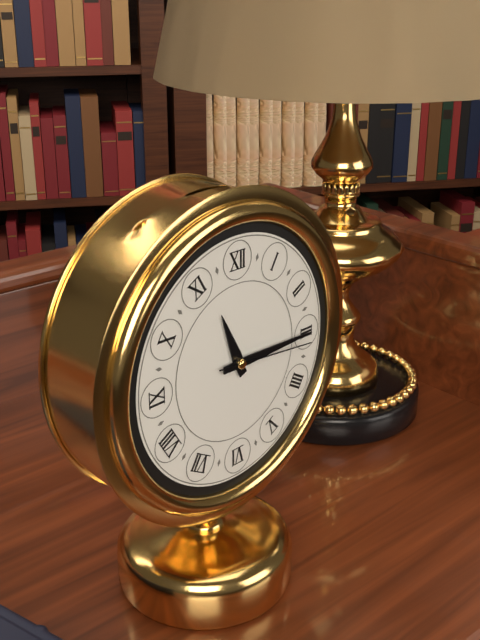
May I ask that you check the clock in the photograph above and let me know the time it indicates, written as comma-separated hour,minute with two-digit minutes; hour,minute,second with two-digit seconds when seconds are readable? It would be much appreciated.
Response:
11,15,16
